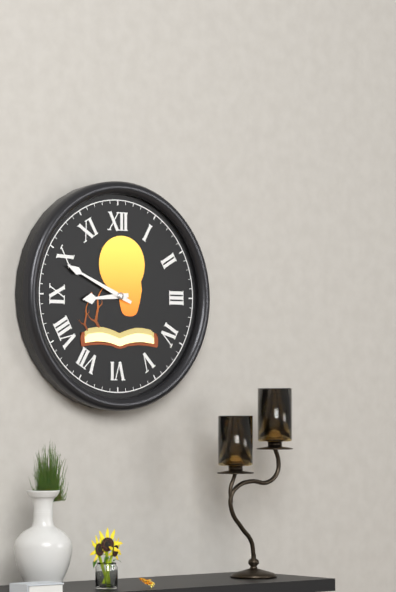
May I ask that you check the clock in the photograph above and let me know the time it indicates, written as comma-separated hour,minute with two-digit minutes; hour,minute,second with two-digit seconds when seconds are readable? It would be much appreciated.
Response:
8,49
